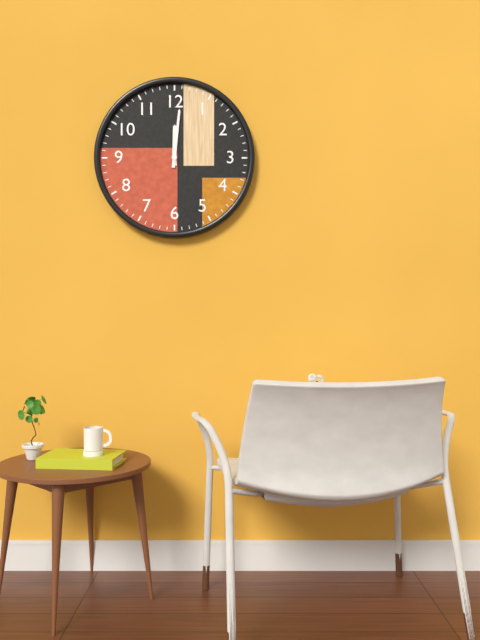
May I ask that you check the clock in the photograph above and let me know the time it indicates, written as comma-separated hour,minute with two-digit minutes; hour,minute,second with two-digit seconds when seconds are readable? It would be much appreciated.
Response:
12,01
